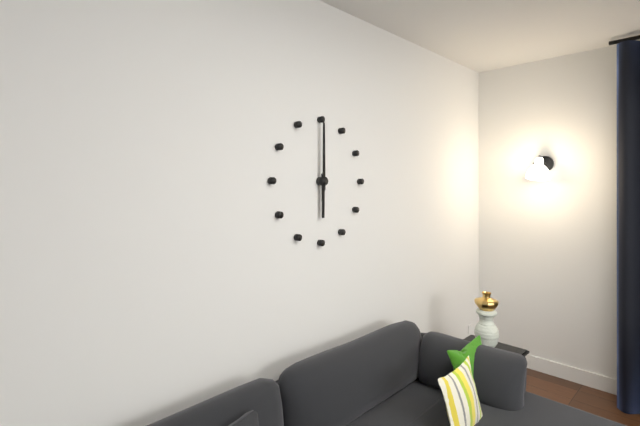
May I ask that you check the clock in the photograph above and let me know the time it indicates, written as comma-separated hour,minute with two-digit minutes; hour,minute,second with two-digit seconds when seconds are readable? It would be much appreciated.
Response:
6,00
